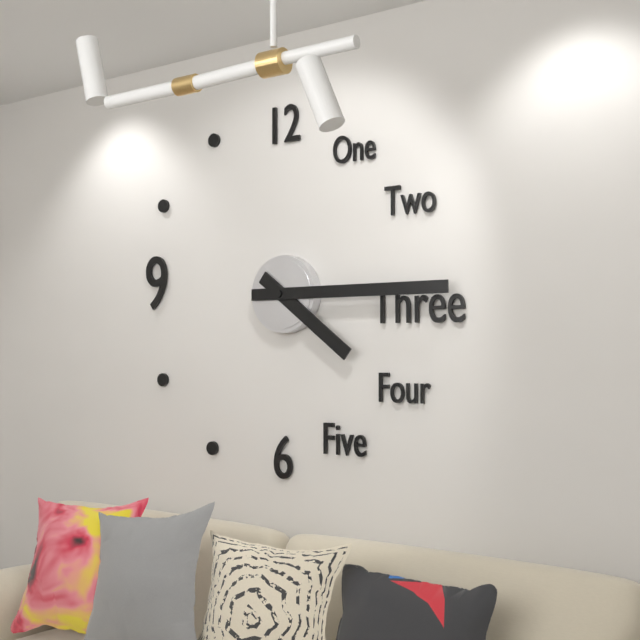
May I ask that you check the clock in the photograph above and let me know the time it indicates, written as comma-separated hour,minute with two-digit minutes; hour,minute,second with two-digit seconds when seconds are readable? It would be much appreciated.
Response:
4,15
